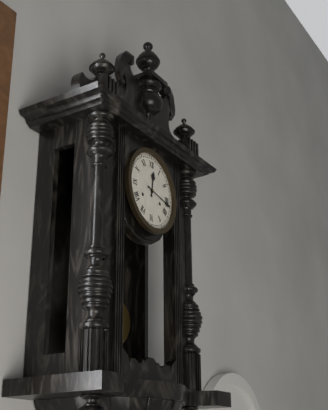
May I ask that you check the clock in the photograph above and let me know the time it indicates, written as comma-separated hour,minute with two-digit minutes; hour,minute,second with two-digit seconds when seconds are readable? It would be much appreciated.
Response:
12,17
